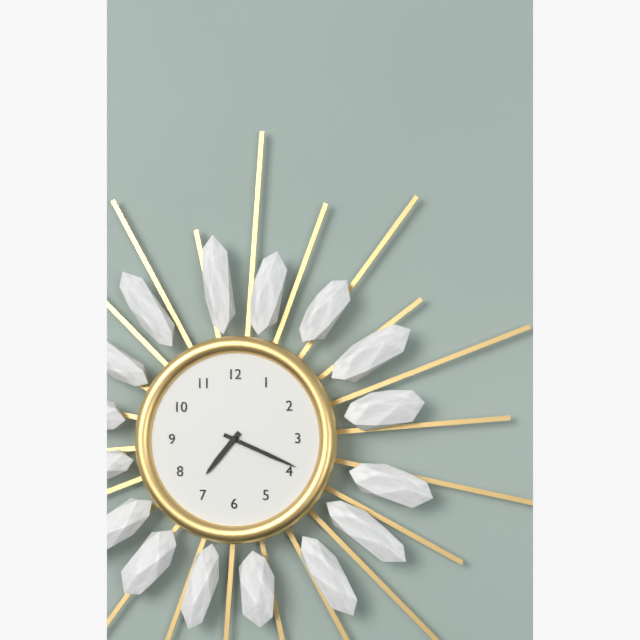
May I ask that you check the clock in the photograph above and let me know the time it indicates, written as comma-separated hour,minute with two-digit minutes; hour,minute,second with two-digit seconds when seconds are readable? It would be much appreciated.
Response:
7,19
